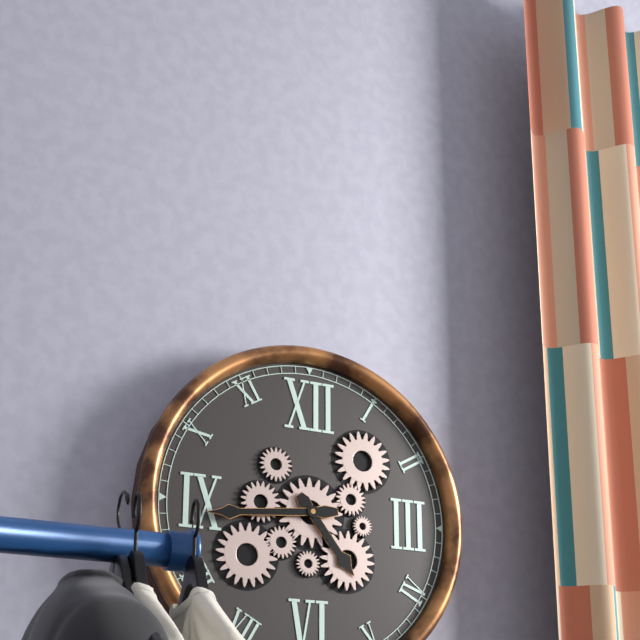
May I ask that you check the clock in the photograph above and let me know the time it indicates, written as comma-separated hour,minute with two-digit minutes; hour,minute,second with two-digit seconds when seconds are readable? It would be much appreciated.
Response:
4,44
